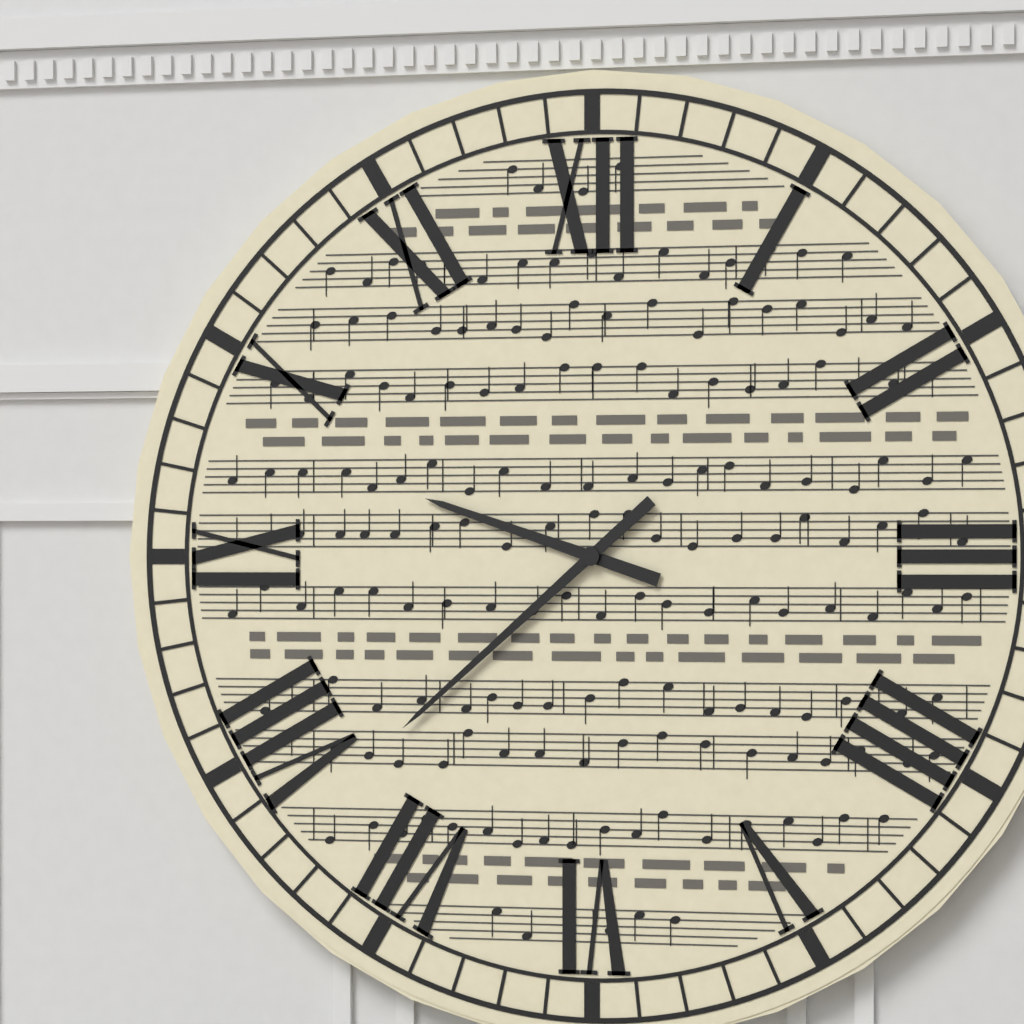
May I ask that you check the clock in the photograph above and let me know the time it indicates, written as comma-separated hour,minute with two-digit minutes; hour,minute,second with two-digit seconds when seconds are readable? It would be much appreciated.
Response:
9,38
